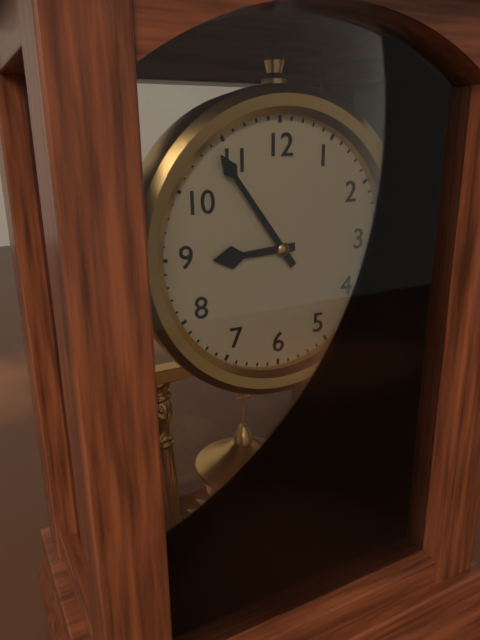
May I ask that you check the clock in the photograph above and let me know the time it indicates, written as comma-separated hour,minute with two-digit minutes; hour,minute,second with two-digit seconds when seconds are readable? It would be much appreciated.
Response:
8,54
